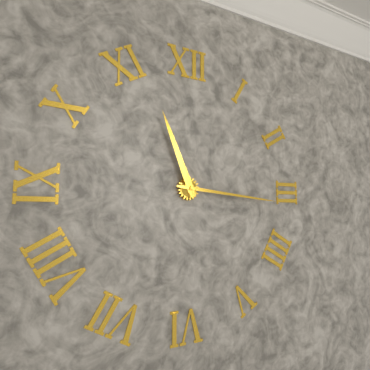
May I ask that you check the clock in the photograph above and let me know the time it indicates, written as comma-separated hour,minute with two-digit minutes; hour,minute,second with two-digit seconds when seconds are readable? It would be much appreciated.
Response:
11,16
